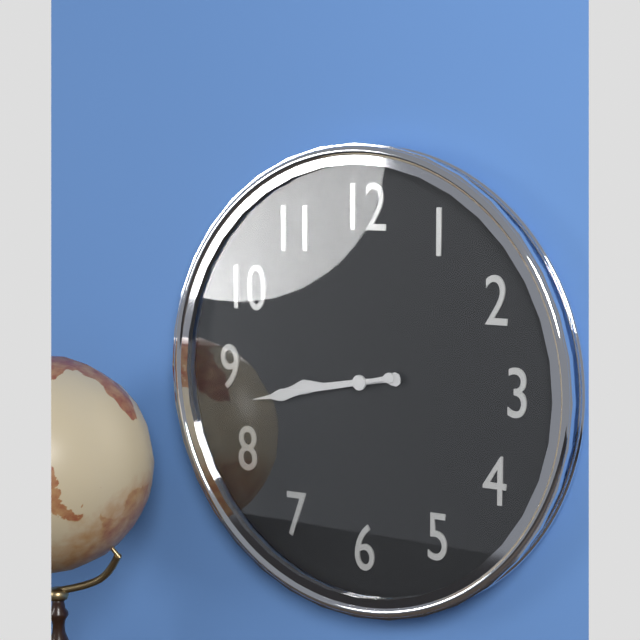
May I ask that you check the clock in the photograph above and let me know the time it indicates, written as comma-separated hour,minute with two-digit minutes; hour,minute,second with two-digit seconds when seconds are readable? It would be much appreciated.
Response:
8,43
